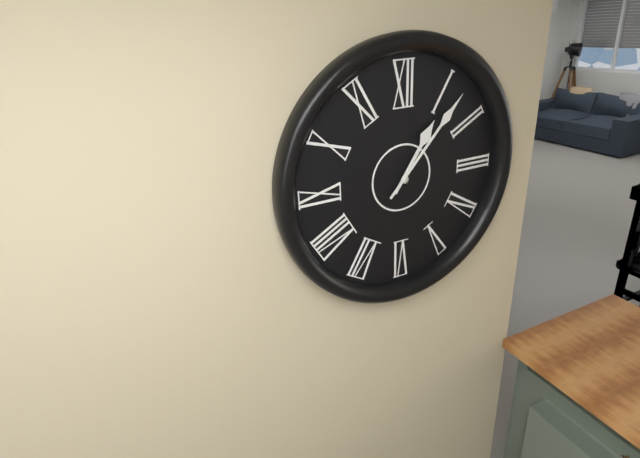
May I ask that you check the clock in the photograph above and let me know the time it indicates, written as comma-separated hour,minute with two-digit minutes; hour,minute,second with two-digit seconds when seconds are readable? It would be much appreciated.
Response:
1,07
